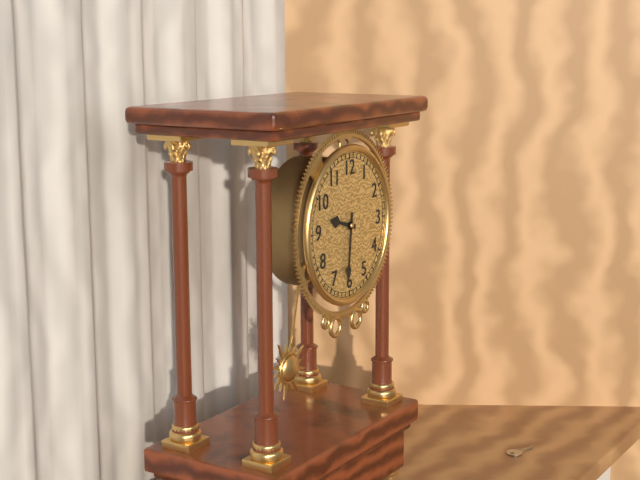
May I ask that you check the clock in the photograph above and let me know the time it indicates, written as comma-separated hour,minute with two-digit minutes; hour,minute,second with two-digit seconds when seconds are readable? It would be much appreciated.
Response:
9,31
